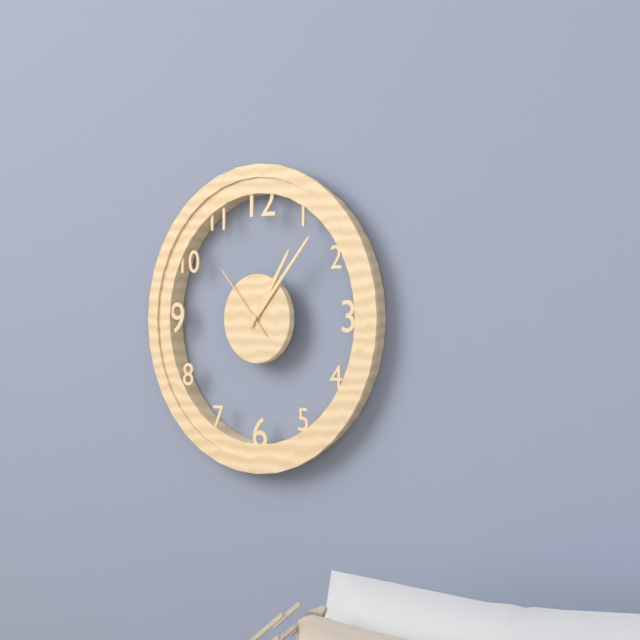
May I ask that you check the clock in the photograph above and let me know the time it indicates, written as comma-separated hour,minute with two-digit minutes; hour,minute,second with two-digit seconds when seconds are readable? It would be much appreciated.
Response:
1,07,53
